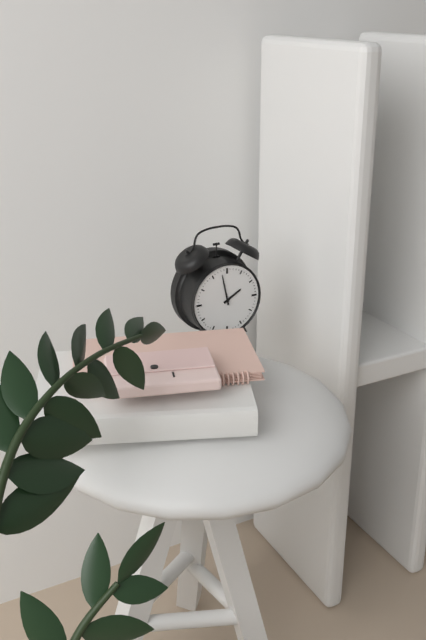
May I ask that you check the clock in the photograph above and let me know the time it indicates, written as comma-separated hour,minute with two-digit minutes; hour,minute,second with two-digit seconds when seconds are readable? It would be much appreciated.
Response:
1,58
